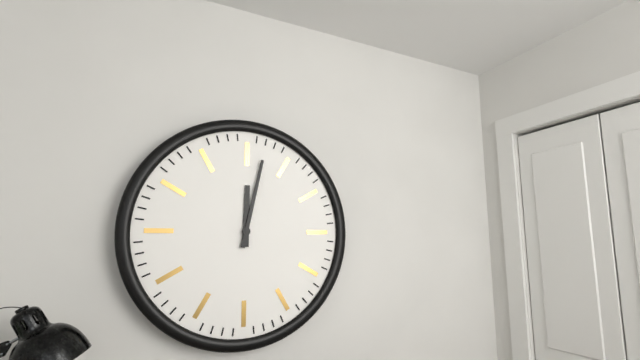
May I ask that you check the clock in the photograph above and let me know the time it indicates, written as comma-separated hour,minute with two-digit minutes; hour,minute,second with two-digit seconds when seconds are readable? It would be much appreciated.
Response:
12,02
